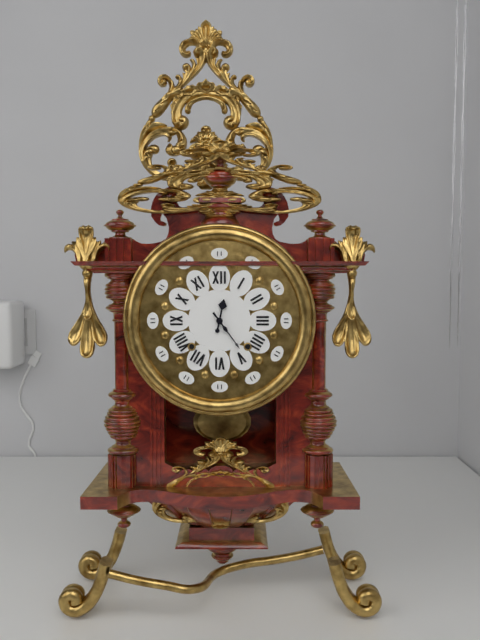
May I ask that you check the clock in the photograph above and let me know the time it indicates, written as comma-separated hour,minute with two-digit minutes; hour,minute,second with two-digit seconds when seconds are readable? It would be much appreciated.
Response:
12,24
